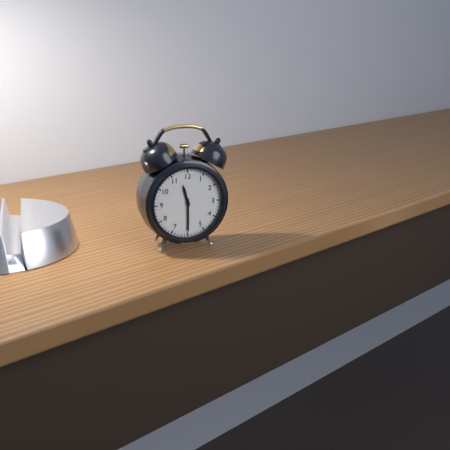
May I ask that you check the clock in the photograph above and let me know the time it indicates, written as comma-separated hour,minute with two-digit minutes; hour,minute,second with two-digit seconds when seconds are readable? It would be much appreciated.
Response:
11,30
